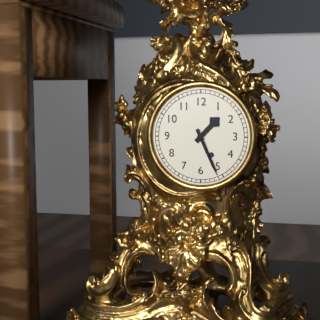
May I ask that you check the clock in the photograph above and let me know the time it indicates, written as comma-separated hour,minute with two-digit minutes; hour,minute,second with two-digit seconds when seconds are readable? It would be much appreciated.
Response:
1,26
